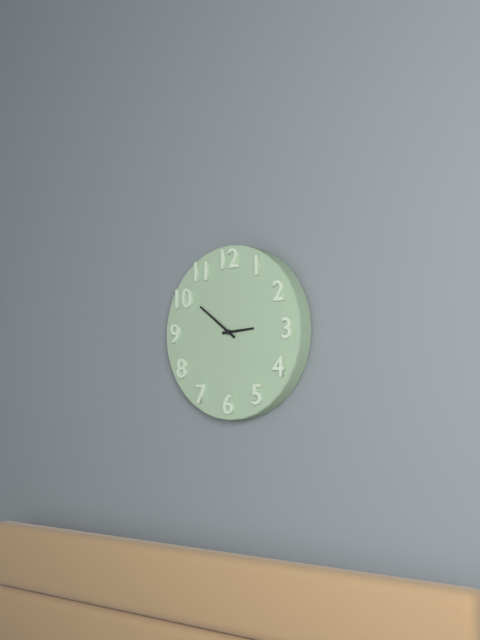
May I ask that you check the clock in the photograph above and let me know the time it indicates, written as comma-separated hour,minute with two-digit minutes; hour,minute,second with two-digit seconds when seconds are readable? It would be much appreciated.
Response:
2,51
